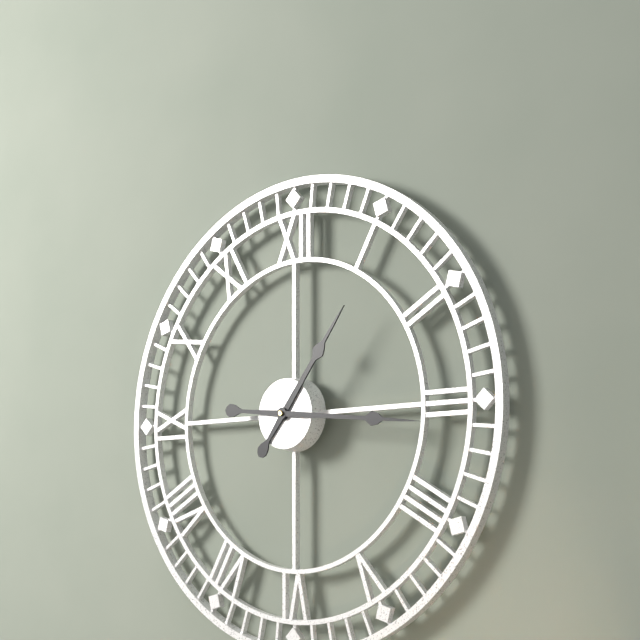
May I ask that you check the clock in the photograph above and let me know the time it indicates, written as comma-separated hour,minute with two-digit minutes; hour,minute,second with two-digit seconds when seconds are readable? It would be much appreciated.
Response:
1,16
